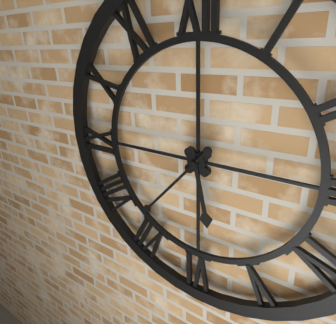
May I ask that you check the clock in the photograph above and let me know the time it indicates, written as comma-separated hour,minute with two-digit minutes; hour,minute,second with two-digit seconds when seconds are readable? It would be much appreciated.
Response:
5,37
